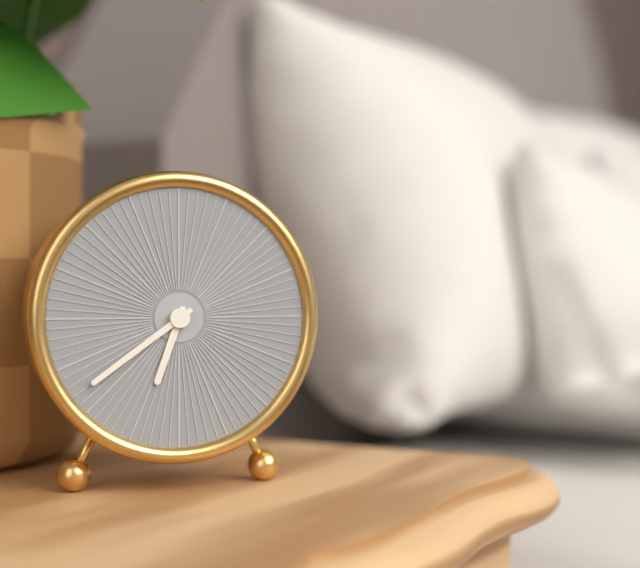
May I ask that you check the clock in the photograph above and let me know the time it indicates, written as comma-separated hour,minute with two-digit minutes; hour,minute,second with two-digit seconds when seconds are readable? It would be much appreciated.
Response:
6,39
